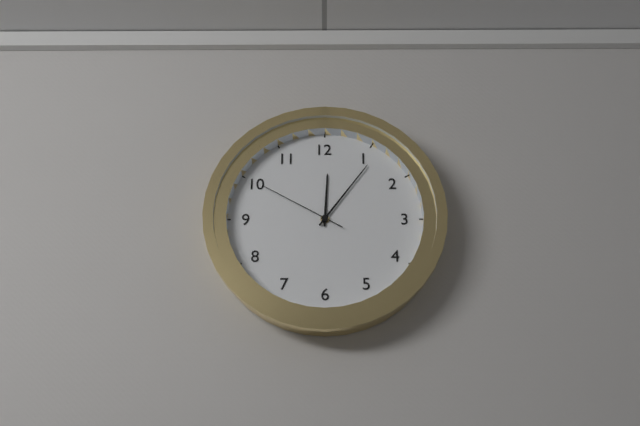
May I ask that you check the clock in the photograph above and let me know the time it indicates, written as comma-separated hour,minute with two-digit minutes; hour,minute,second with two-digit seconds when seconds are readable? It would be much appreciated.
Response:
12,06,50
